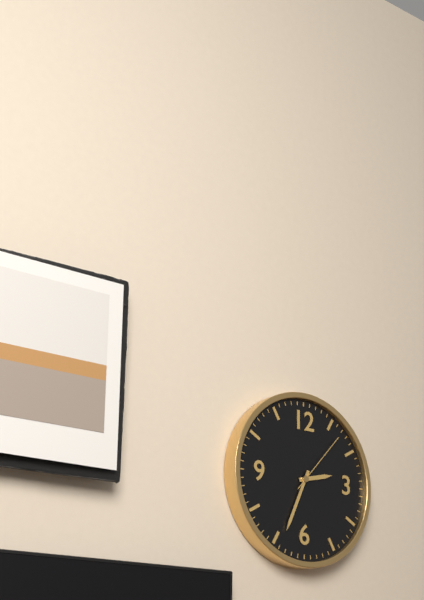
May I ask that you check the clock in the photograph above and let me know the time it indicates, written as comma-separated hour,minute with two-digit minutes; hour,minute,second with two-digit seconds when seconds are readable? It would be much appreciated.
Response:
2,34,07
